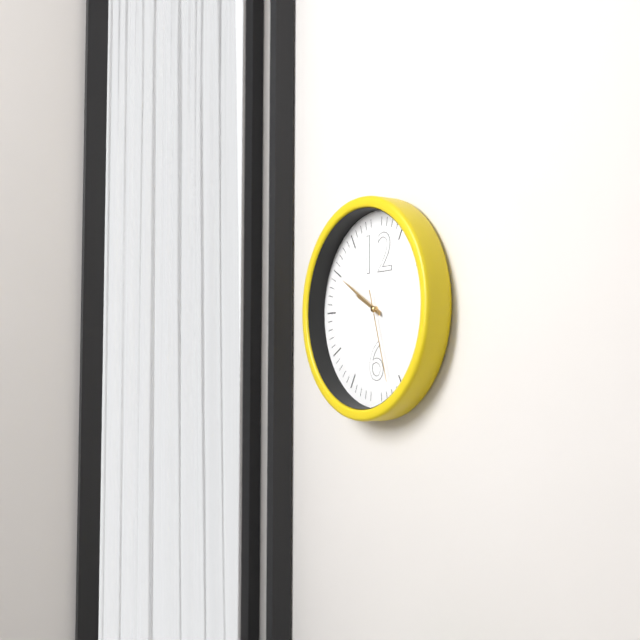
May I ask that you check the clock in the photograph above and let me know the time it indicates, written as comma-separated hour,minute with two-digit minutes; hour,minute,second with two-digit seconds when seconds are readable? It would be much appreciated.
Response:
9,50,27
